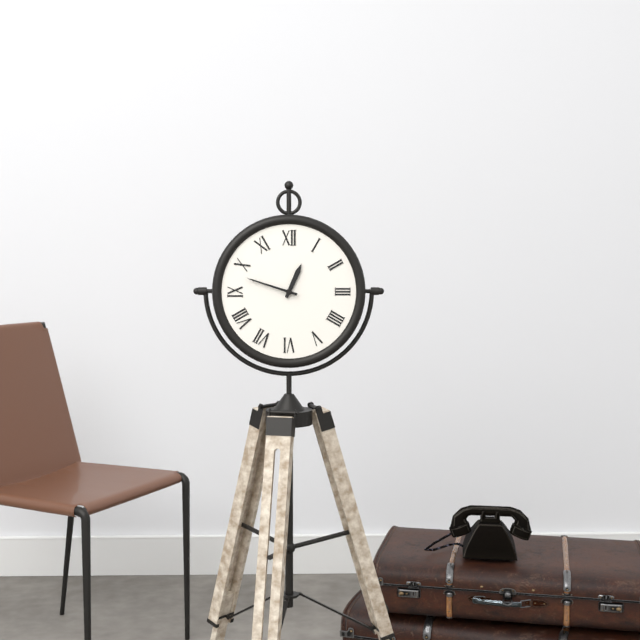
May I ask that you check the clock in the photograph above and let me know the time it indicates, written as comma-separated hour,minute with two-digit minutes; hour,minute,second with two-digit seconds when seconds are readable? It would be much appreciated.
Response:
12,48
